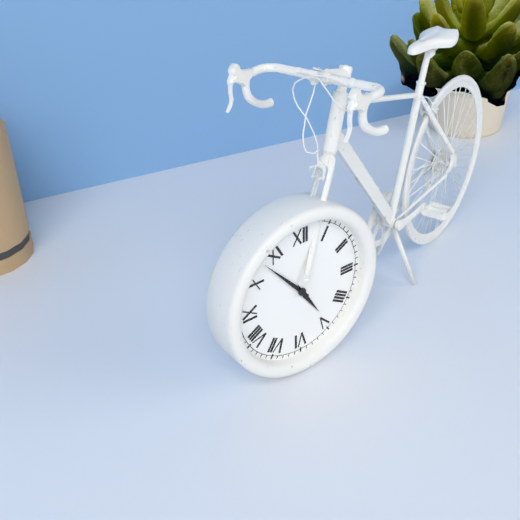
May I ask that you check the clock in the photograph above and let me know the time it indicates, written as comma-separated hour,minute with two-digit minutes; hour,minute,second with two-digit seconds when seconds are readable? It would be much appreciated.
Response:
4,53
